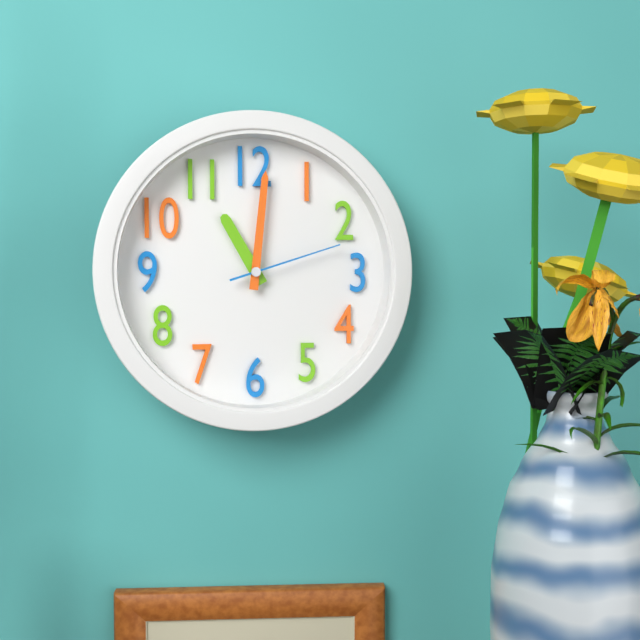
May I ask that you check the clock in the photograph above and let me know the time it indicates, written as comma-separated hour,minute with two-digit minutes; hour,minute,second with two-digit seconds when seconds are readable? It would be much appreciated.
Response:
11,01,12
